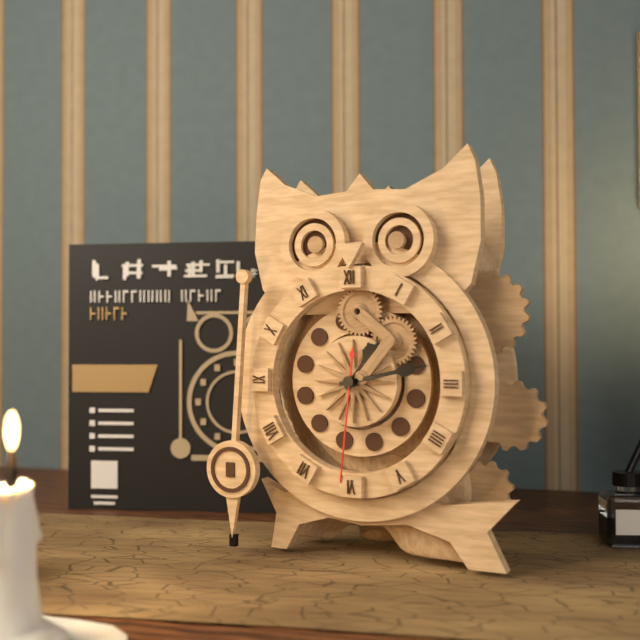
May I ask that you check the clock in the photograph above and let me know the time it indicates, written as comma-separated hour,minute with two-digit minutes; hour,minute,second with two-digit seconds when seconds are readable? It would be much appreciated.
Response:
1,13,31
